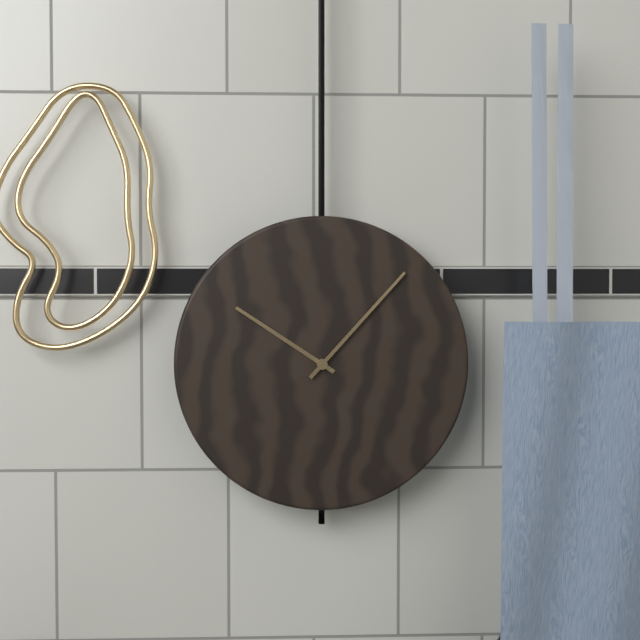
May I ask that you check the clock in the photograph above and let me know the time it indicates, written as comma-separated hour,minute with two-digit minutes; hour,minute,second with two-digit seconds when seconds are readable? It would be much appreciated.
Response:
10,07
